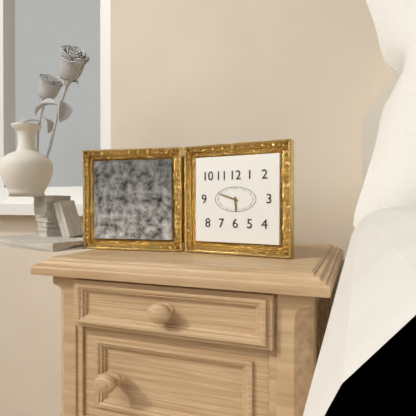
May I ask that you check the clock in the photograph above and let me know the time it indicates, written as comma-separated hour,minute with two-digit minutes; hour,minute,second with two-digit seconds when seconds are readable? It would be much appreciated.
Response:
5,48
